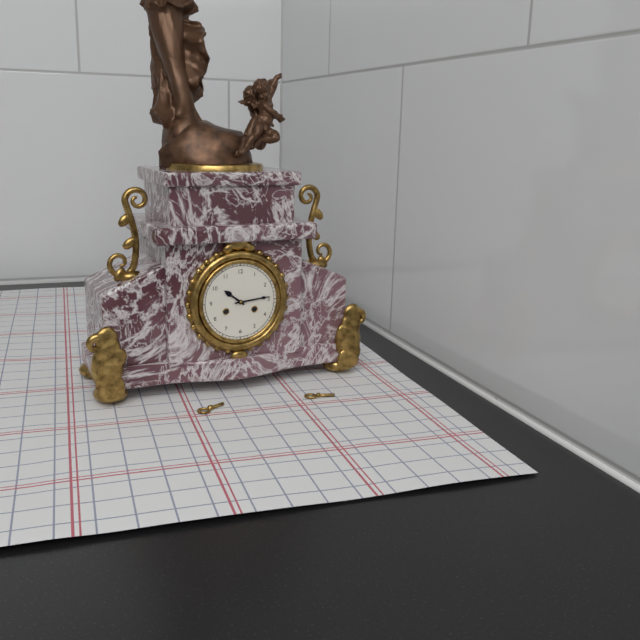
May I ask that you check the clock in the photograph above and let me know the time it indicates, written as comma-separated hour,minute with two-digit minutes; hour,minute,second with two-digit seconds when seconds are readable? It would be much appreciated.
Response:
10,14
